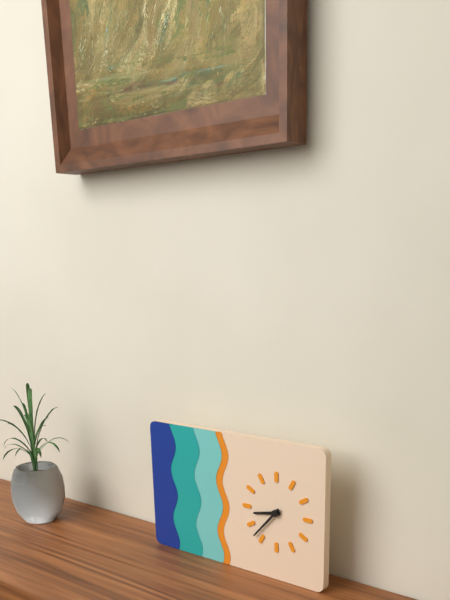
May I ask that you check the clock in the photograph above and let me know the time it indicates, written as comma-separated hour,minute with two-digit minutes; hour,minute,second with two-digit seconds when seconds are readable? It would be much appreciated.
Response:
8,37
